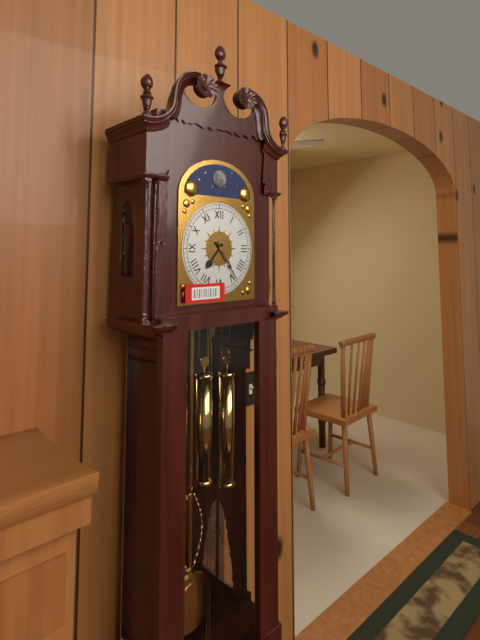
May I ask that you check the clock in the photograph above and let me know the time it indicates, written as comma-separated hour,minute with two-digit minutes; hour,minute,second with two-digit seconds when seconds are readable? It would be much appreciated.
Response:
7,24
